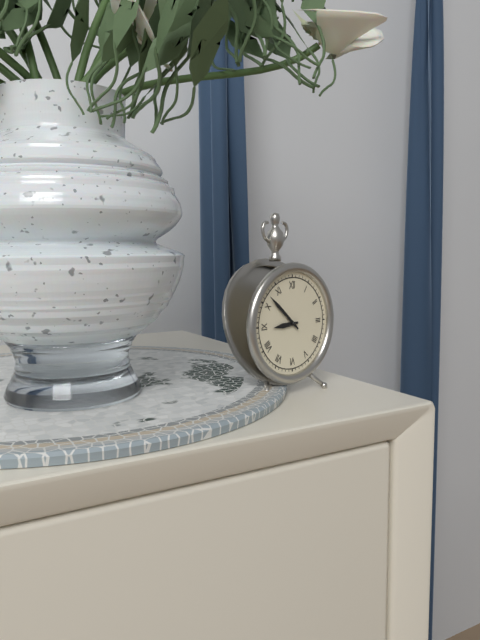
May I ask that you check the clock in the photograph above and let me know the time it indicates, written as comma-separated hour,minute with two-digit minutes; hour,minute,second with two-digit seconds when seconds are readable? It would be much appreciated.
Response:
8,52
